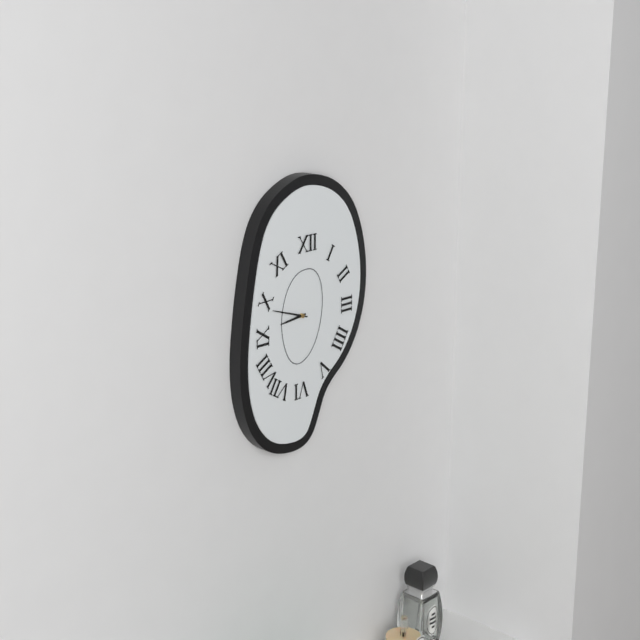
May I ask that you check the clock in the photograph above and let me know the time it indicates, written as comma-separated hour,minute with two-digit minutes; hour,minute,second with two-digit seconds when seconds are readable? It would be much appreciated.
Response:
8,48
